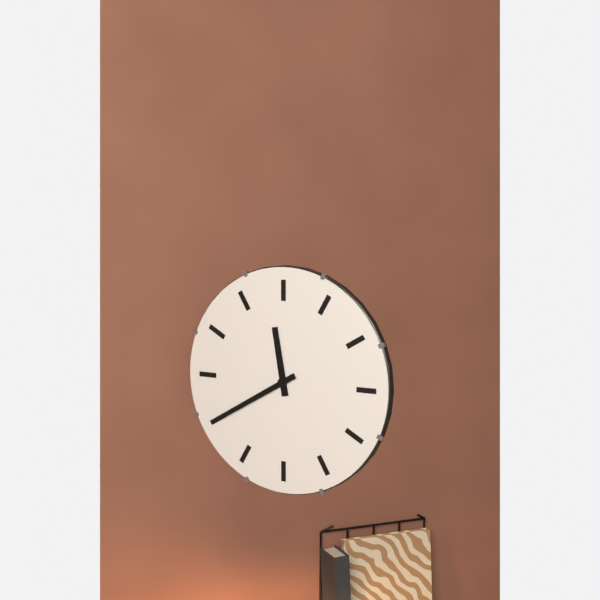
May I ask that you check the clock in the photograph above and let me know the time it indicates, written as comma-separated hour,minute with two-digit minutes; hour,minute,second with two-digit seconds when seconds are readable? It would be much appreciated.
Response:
11,40
